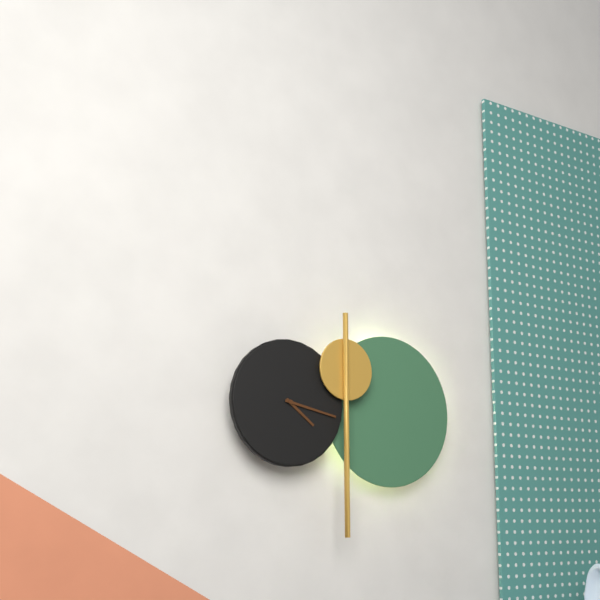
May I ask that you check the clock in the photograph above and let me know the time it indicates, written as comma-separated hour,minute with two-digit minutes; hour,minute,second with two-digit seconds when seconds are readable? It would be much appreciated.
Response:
4,17
